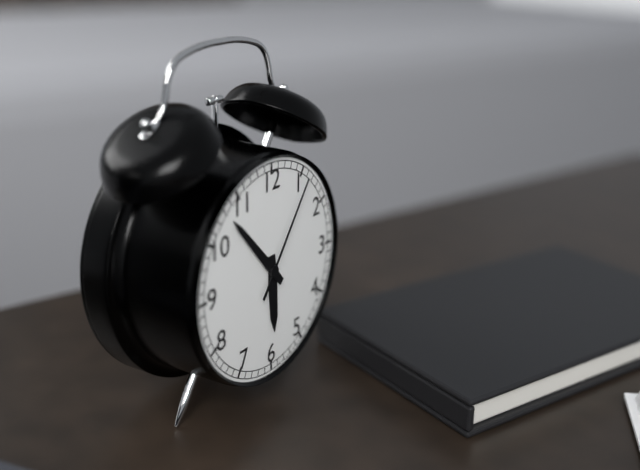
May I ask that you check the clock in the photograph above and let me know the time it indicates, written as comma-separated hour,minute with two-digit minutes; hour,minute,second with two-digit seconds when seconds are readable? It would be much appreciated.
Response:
5,53,06
